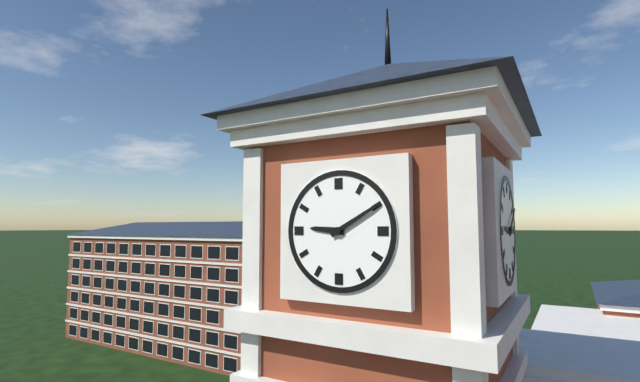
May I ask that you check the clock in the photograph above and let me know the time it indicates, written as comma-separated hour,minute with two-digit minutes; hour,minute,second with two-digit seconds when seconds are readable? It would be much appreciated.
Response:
9,10
